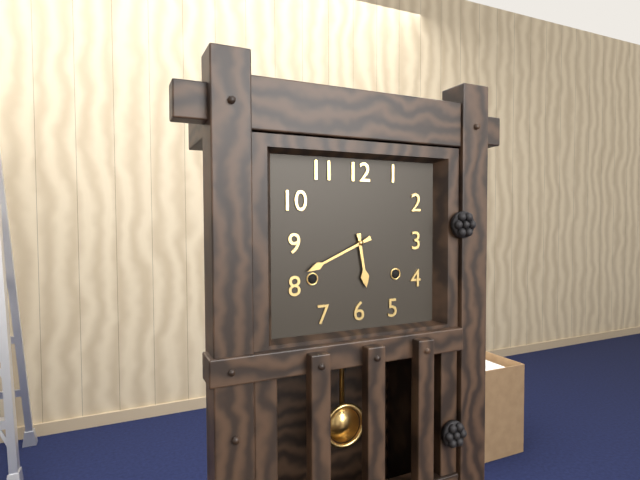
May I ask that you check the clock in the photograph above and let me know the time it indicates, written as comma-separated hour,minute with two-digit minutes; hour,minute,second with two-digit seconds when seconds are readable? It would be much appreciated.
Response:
5,41
